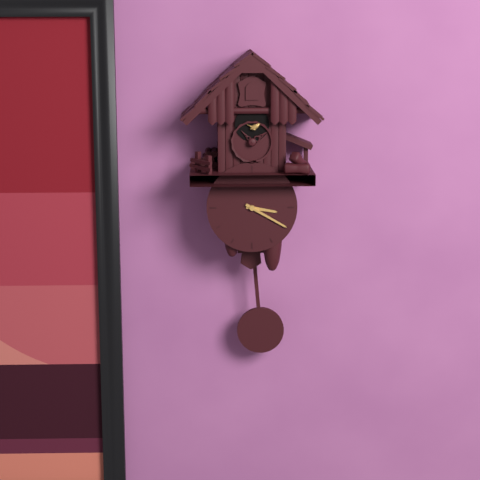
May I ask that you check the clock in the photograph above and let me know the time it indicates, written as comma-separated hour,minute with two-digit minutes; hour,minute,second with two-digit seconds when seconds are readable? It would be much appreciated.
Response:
3,20
